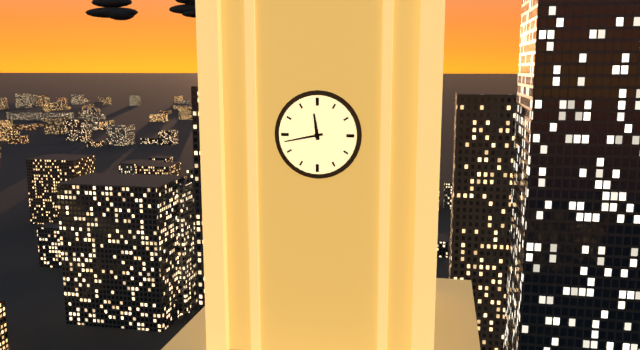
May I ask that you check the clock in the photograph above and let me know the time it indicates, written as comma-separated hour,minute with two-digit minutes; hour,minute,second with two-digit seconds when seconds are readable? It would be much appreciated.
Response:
11,43
